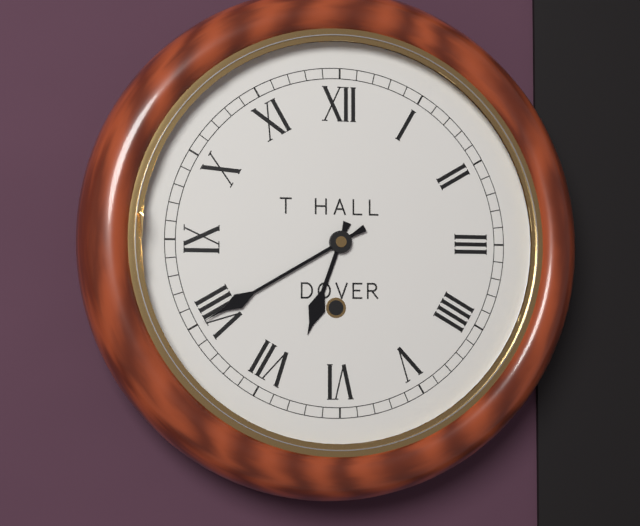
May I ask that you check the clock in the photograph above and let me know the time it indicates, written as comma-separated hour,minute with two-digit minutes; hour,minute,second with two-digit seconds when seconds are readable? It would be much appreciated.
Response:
6,40
